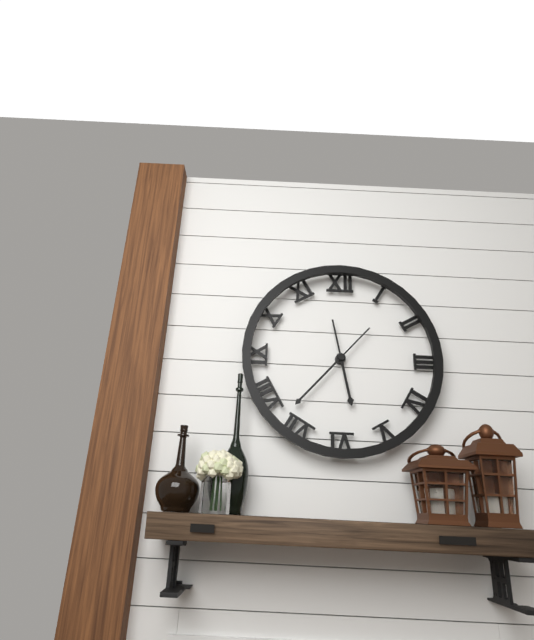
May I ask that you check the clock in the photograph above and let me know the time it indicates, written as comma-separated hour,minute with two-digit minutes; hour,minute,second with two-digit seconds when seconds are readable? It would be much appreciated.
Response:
5,37
